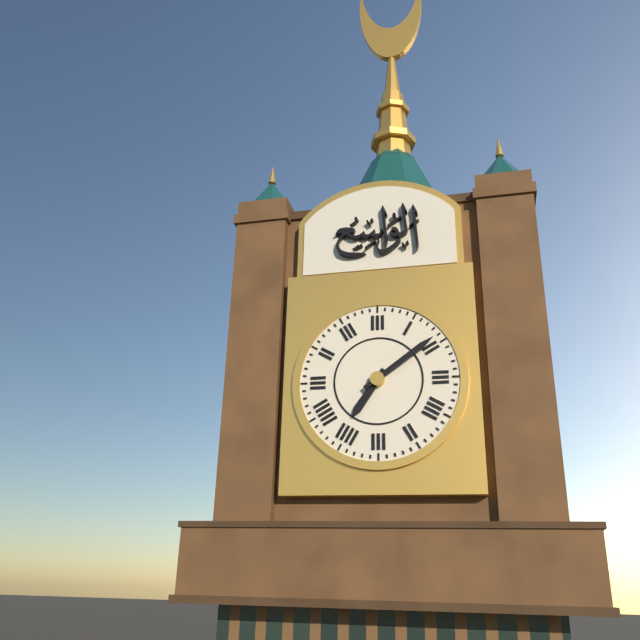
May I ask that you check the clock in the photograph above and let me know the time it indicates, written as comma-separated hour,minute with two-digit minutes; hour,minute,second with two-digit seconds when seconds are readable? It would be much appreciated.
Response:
7,09
